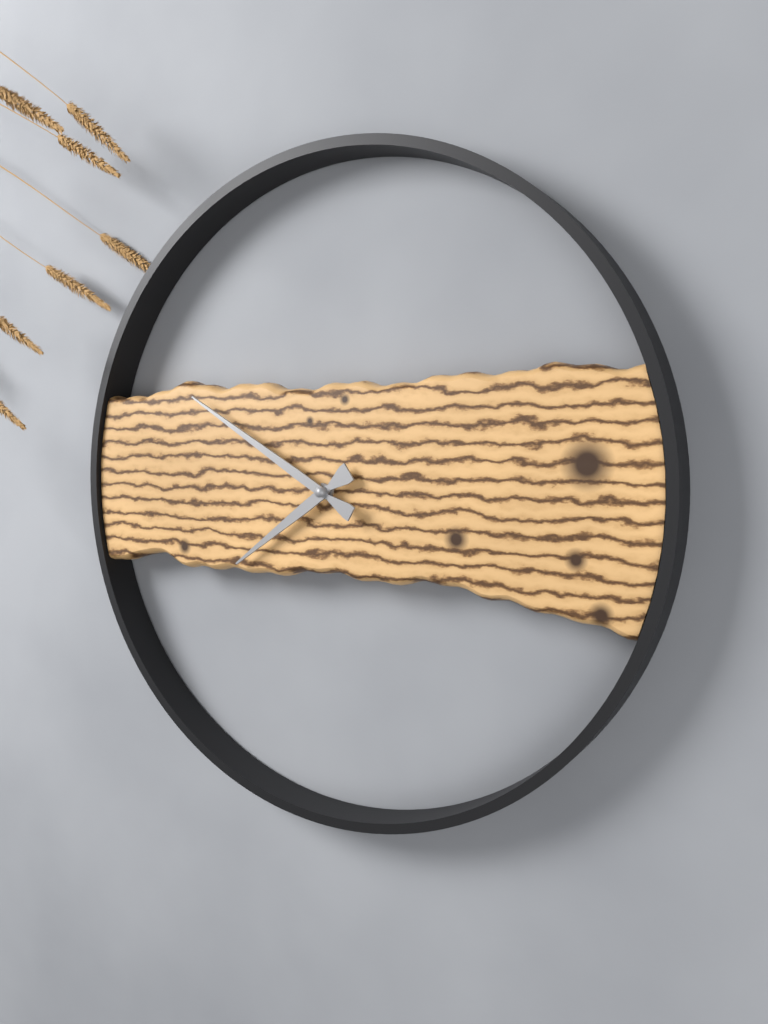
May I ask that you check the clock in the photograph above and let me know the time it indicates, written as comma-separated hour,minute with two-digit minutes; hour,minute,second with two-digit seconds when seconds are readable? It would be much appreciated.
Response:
7,50
